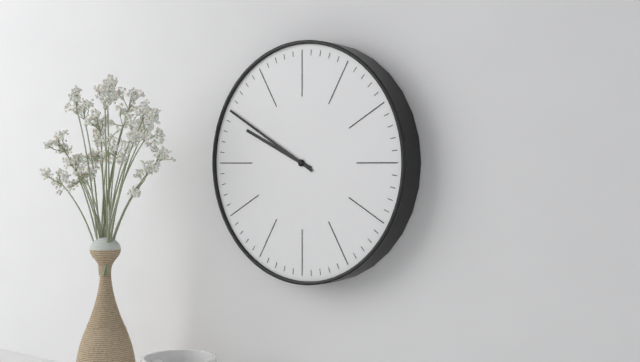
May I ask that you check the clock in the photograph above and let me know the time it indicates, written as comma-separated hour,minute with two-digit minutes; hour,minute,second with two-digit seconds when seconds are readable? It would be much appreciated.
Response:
9,50
